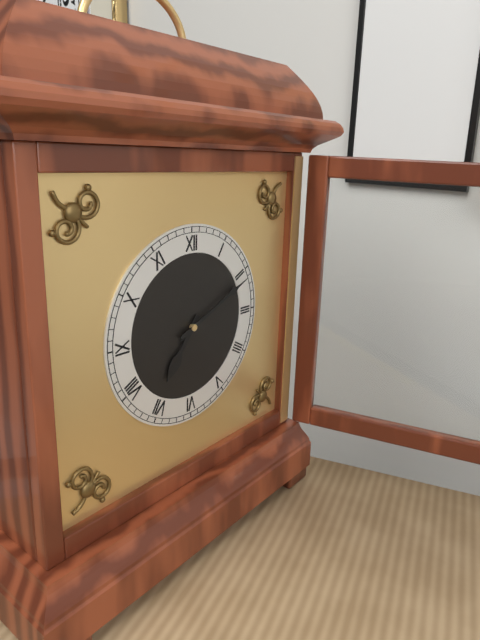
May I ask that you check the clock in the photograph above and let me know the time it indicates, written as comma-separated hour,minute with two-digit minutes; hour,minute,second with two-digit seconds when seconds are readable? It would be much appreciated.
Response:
7,11
